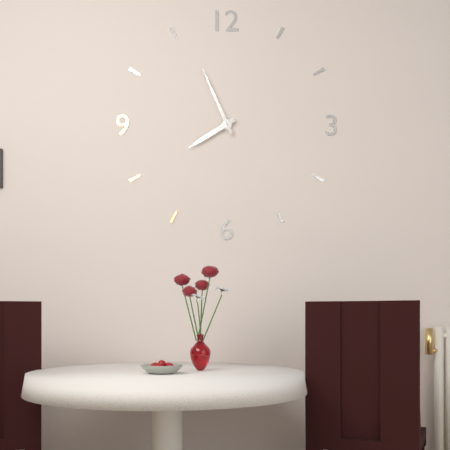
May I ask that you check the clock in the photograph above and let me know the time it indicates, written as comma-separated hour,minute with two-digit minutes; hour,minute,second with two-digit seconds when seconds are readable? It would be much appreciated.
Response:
7,56
